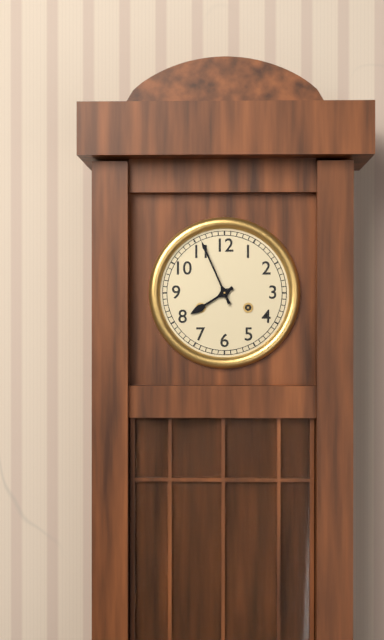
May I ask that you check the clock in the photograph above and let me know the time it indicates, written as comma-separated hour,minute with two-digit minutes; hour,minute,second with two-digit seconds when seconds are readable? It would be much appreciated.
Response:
7,56
